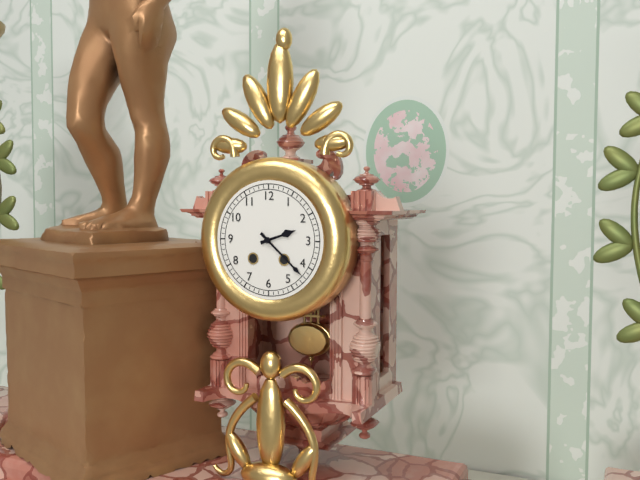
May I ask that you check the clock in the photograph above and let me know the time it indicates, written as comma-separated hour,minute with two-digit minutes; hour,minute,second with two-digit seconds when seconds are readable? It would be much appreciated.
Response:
2,22
